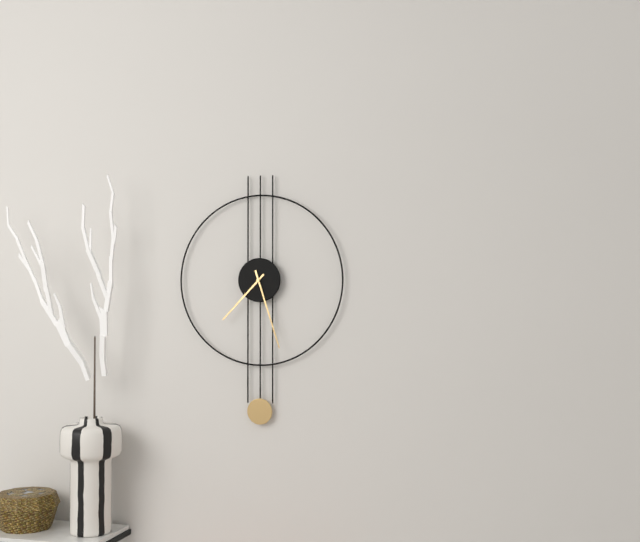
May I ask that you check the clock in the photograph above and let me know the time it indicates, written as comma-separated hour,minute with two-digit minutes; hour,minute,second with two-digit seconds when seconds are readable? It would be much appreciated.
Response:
7,27
